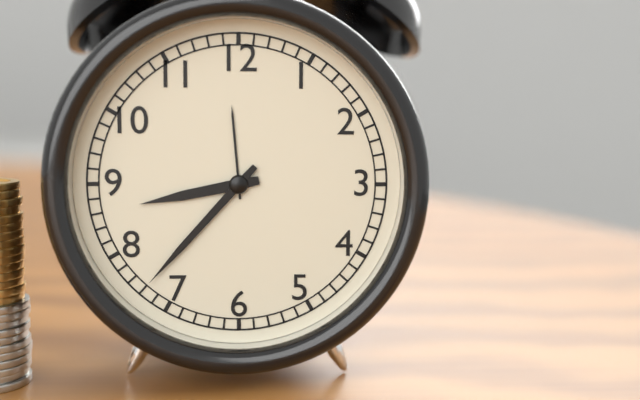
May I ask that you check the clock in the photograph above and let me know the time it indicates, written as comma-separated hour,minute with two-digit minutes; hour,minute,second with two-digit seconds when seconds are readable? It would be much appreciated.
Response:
8,37
